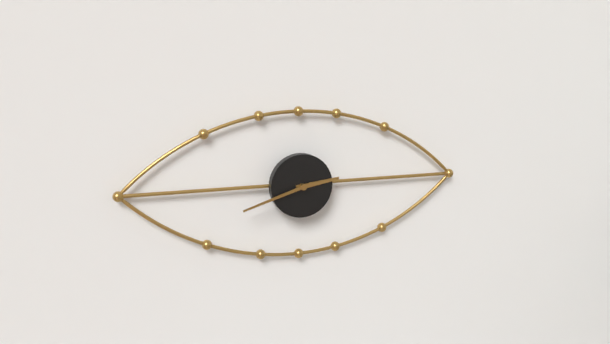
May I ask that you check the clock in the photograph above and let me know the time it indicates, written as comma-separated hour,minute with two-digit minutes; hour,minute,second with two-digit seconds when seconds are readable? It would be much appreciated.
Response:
2,42
